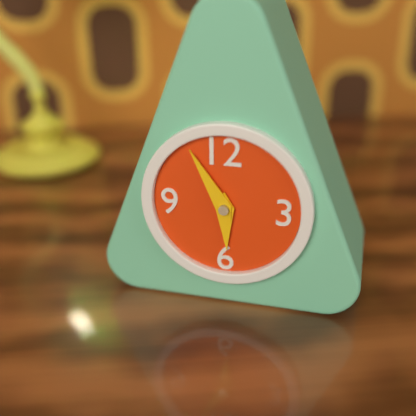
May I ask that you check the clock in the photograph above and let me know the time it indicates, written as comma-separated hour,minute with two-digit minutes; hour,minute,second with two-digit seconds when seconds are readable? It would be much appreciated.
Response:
5,55
